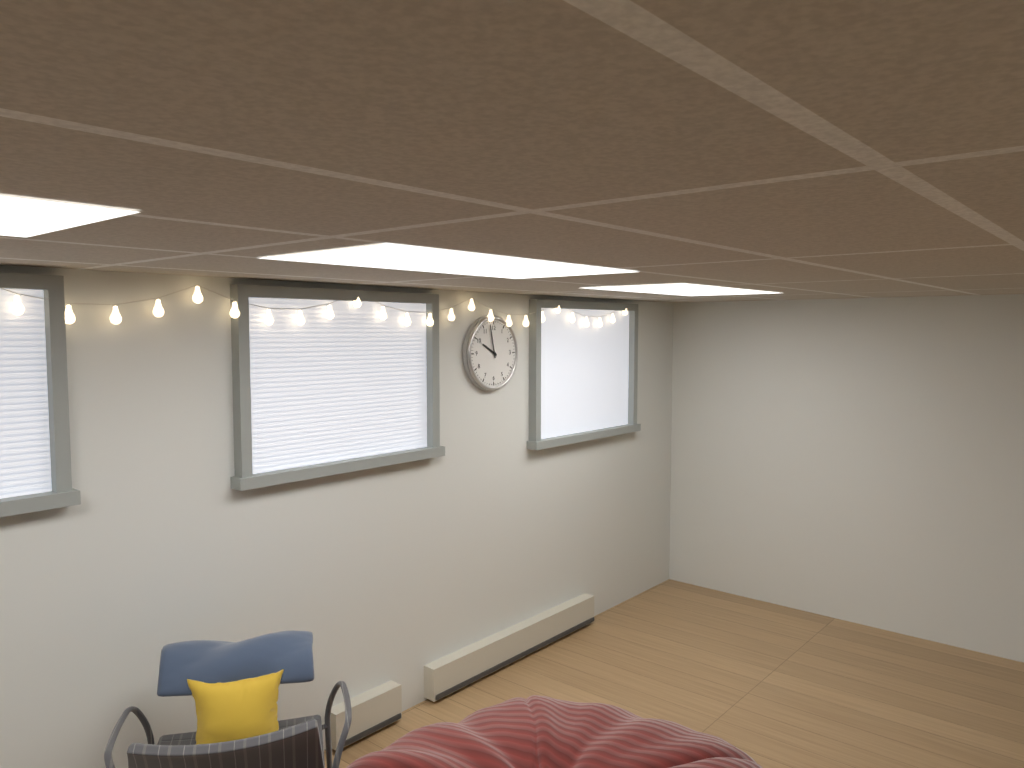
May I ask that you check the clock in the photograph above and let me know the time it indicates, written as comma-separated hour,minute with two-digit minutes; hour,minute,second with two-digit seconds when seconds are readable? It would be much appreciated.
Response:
9,58
